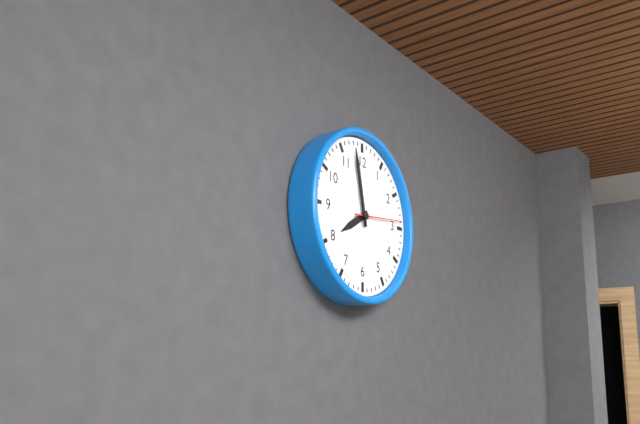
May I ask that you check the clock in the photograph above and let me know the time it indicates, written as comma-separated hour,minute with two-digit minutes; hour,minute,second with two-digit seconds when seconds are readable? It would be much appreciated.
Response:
7,58,14
